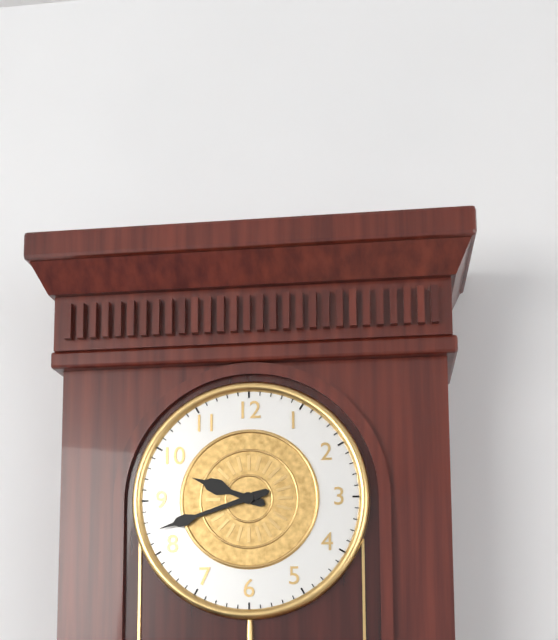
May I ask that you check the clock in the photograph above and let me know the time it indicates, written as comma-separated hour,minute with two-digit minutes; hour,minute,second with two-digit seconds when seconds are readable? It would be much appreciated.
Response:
9,42
